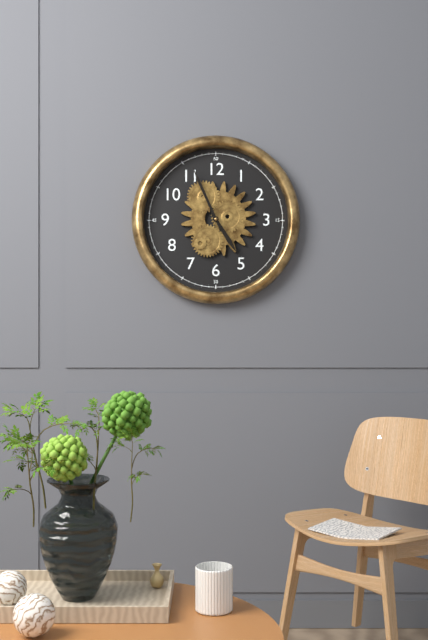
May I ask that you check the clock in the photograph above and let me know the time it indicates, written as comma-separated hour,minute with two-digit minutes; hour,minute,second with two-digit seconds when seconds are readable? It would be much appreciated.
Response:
4,56
